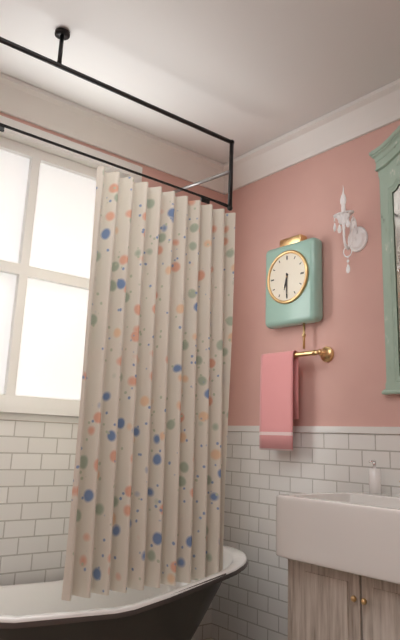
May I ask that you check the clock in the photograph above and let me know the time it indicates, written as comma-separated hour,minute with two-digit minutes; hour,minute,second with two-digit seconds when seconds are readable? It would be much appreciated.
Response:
6,30
